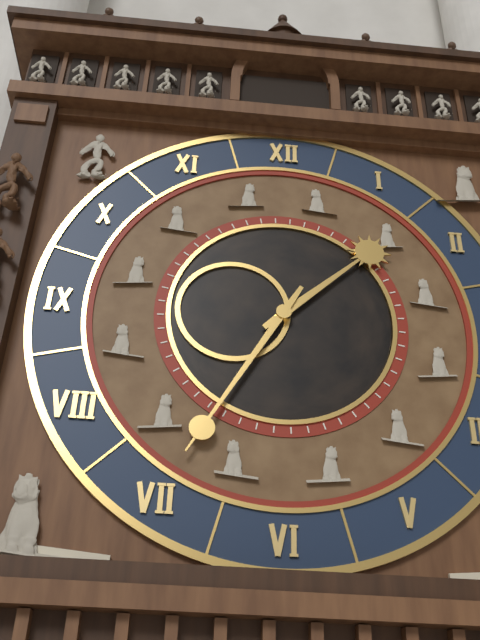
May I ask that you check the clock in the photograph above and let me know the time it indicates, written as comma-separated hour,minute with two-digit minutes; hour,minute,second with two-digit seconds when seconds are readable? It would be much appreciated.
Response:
1,35
